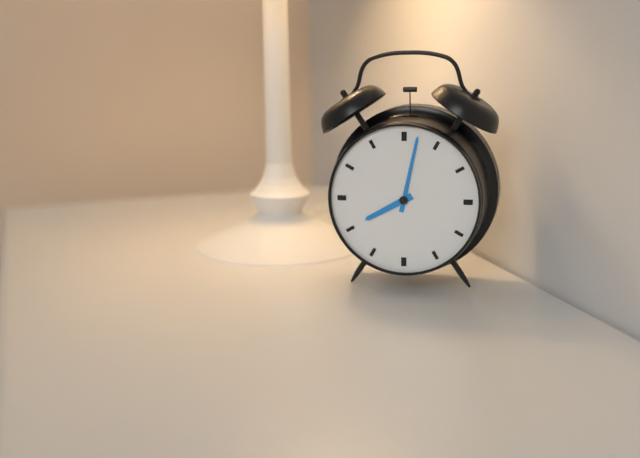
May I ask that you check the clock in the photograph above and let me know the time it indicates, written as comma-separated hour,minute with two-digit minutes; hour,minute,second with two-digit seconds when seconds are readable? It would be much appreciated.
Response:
8,02
